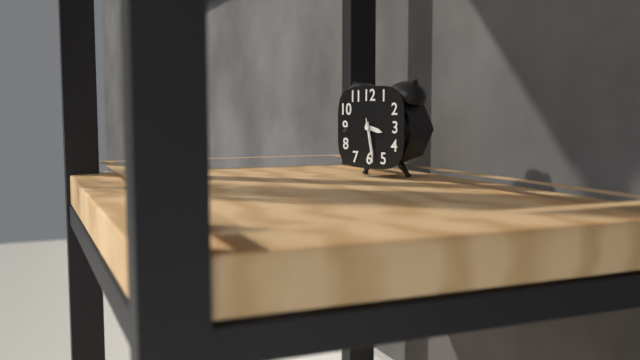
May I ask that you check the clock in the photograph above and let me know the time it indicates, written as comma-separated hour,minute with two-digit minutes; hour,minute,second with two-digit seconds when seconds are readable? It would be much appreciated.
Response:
3,28
